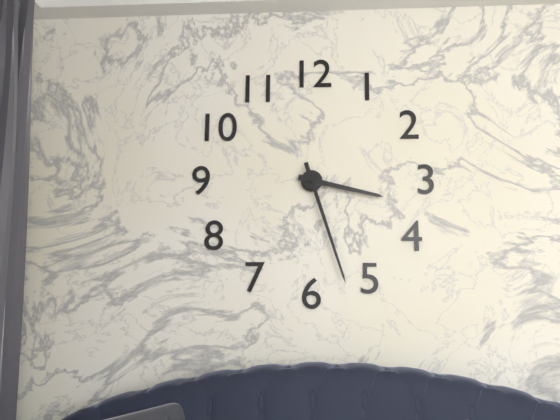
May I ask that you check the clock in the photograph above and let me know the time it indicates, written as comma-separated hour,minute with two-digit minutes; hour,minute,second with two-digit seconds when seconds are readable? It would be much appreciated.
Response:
3,27
